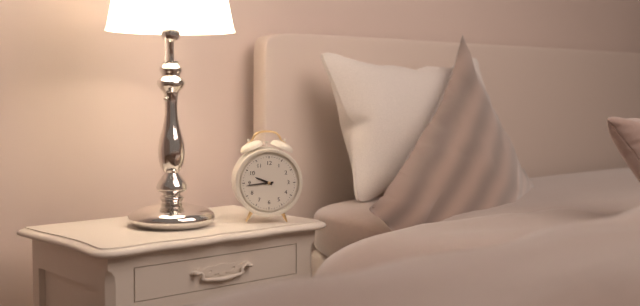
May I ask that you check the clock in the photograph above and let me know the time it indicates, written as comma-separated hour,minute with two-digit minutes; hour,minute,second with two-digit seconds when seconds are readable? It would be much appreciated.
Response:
9,44
